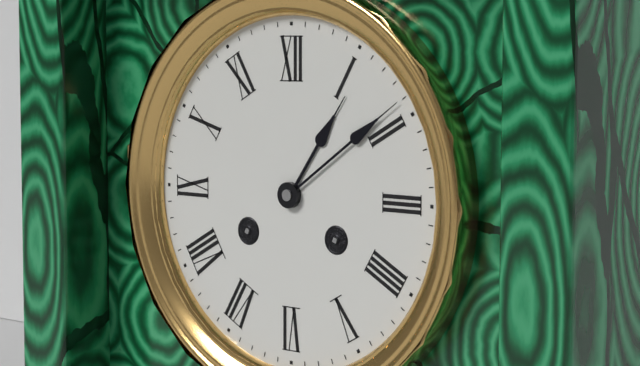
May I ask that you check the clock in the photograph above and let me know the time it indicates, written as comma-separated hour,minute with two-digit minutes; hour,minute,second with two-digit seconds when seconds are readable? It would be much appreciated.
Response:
1,09
